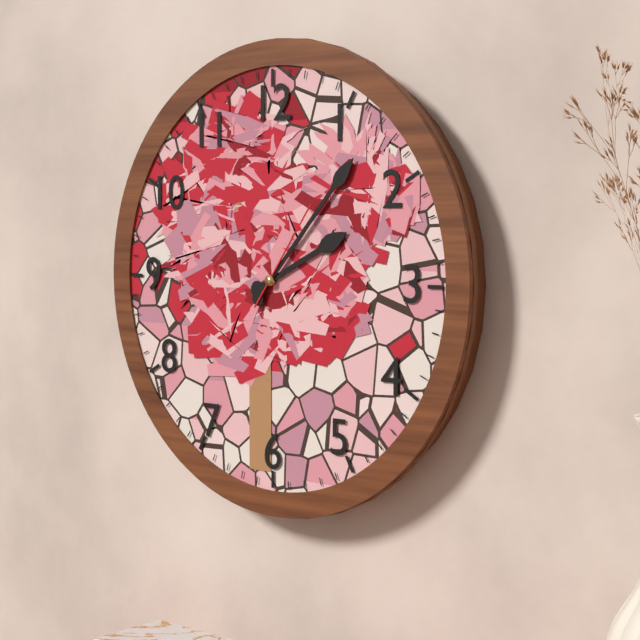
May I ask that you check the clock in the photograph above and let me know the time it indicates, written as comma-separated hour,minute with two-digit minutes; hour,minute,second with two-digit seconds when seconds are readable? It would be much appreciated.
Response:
2,07,06
